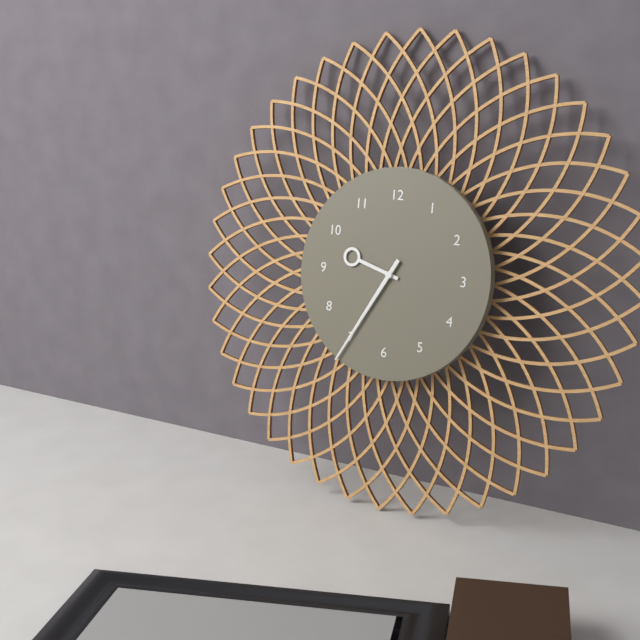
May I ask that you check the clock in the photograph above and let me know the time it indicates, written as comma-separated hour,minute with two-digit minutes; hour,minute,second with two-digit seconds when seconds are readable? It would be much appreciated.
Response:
9,35
